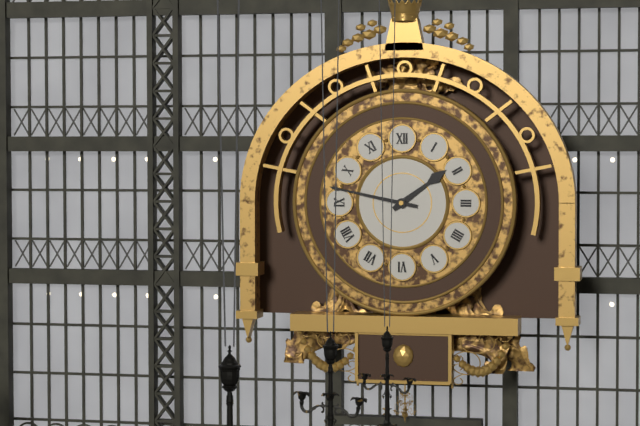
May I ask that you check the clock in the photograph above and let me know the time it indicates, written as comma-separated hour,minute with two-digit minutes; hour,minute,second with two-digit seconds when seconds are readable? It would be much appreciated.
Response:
1,47
